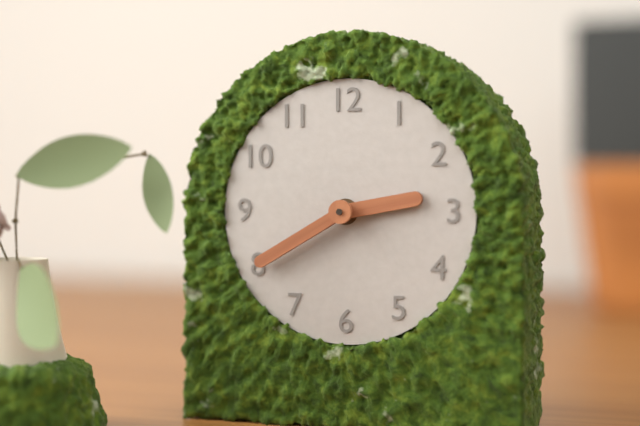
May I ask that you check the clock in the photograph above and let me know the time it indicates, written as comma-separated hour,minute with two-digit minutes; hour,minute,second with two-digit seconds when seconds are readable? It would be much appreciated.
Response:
2,40
